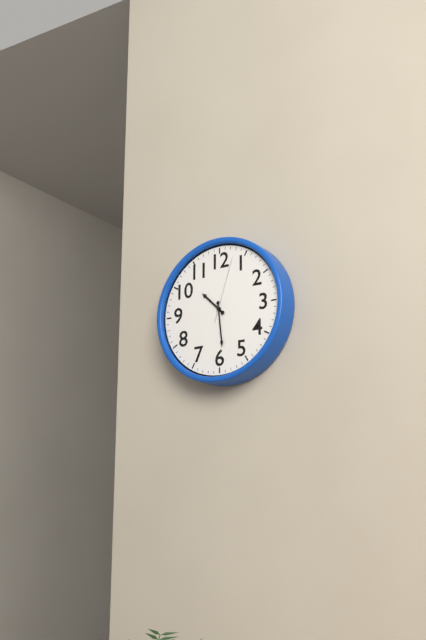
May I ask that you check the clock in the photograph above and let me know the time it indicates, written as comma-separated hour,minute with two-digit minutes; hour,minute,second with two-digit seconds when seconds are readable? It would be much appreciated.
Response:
10,29,03
